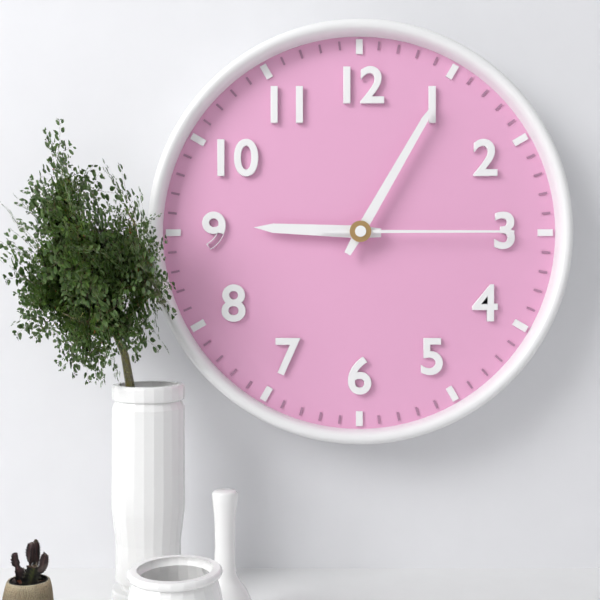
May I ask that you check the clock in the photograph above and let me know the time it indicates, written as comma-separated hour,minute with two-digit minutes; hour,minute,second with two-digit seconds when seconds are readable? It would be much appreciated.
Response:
9,05,15
